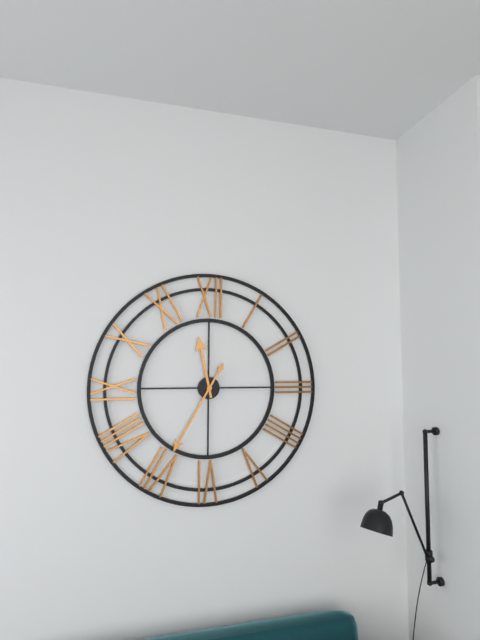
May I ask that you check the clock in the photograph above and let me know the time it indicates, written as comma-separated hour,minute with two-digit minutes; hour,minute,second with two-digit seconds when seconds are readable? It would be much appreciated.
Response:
11,35
